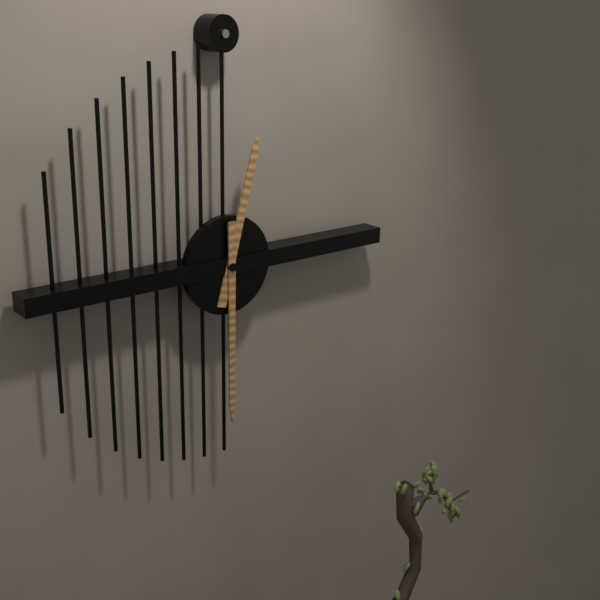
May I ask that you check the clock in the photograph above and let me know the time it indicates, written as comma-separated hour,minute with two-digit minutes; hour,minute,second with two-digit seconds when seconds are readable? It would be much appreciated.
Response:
12,30
